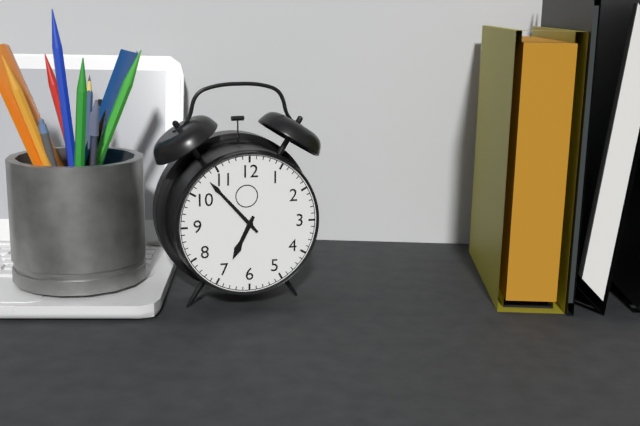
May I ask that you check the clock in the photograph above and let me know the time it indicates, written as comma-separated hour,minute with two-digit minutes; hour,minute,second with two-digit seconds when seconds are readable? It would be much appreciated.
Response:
6,53
